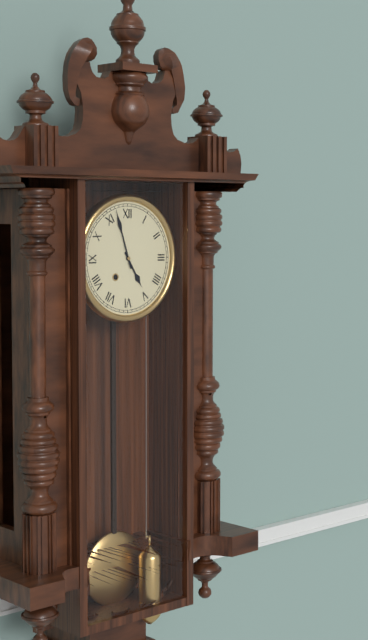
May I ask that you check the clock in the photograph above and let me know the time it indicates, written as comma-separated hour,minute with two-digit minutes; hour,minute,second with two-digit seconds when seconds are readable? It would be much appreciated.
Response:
4,57
